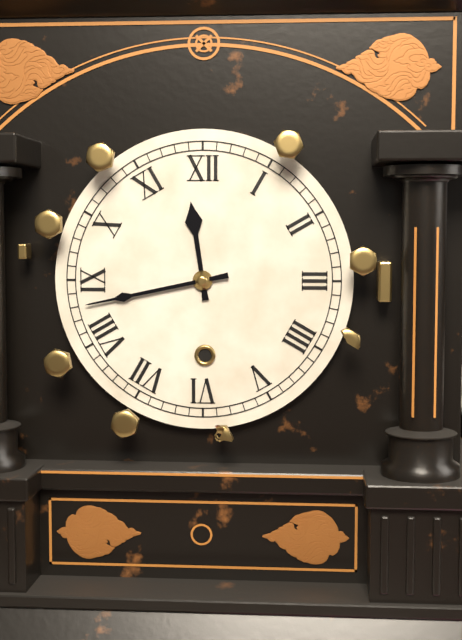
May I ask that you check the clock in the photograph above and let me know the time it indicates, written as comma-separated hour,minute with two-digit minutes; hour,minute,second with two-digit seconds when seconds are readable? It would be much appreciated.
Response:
11,43
